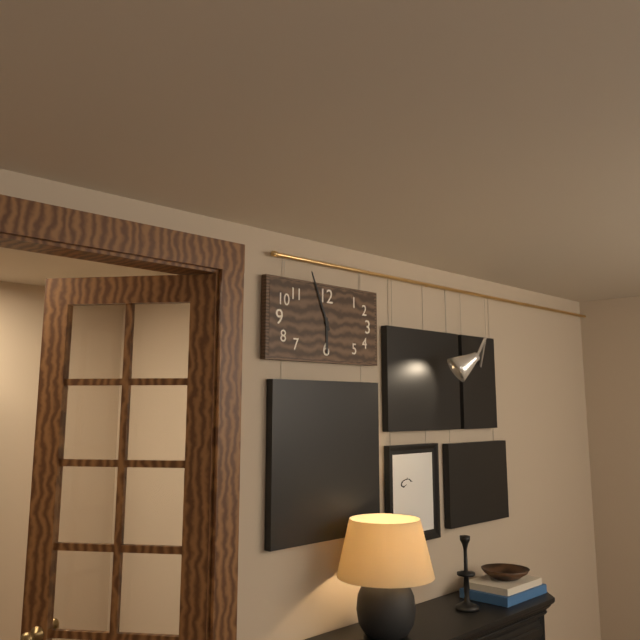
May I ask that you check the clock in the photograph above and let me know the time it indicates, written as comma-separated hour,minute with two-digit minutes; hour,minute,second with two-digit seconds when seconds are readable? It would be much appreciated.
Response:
5,56
